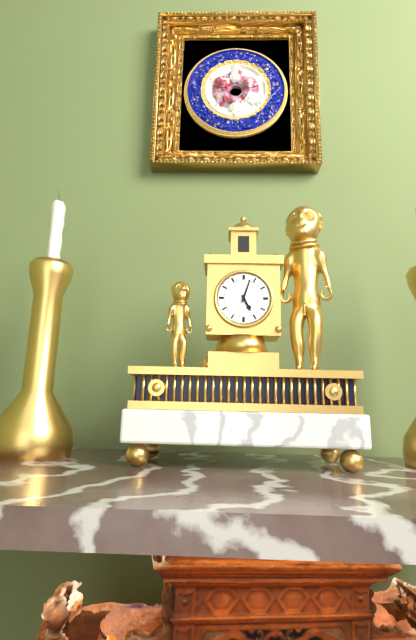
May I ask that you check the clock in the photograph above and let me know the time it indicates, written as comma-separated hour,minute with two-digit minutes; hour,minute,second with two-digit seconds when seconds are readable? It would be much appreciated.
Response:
5,03
